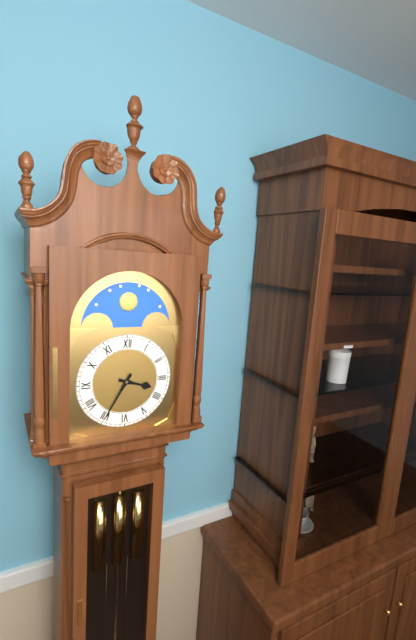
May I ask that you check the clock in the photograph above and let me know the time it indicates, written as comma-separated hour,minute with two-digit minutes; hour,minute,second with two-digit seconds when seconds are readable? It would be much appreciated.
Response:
3,35
